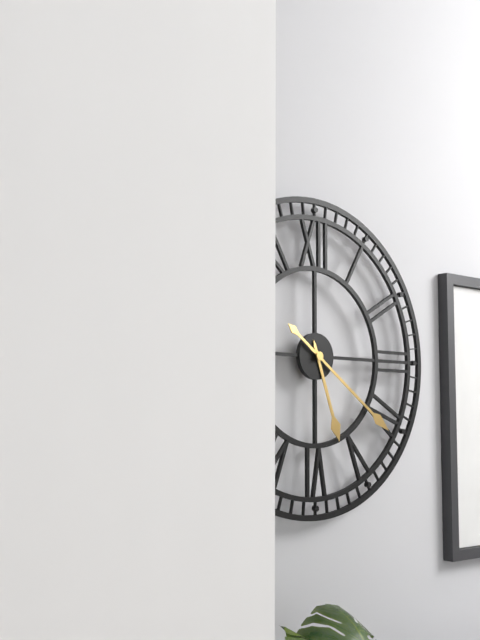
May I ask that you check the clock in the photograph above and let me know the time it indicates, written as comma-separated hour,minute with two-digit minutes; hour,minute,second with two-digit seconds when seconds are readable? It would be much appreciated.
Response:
5,21
